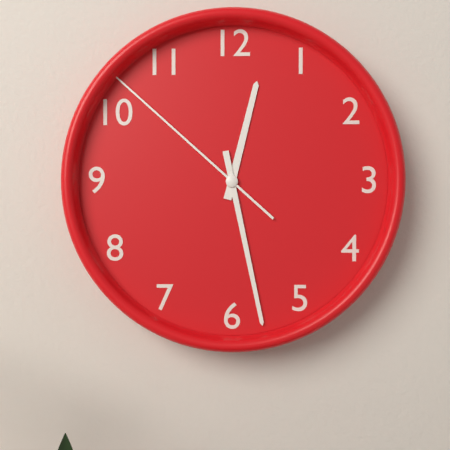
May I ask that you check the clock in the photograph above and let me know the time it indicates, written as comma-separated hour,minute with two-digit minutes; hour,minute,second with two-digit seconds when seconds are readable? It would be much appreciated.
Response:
12,28,52
